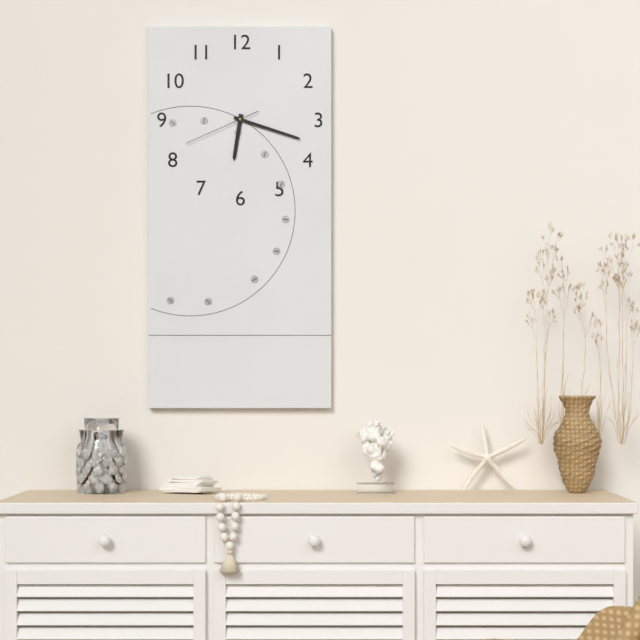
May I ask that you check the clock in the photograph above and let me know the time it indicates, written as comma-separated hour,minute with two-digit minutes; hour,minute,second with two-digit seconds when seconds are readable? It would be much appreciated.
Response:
6,18,41
